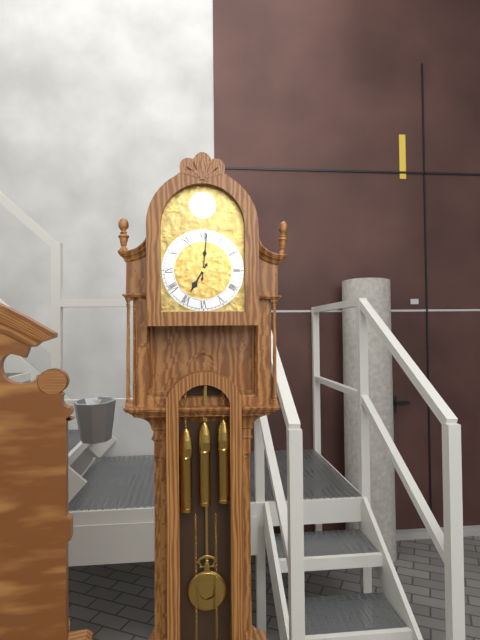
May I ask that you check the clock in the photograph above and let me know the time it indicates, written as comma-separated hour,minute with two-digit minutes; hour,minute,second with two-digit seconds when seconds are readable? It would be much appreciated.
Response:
7,01
